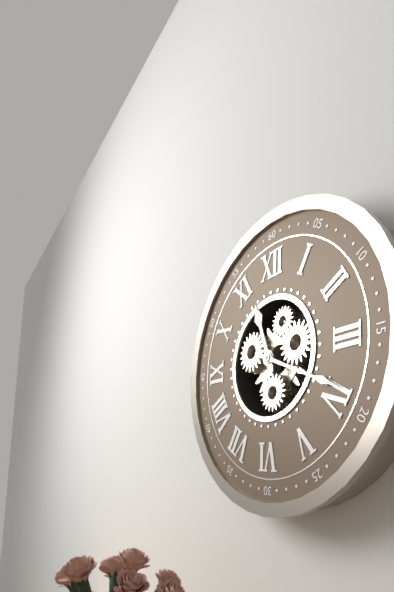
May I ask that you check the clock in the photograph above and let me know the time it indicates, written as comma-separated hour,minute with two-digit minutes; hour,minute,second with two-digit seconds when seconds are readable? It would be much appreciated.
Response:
11,19
